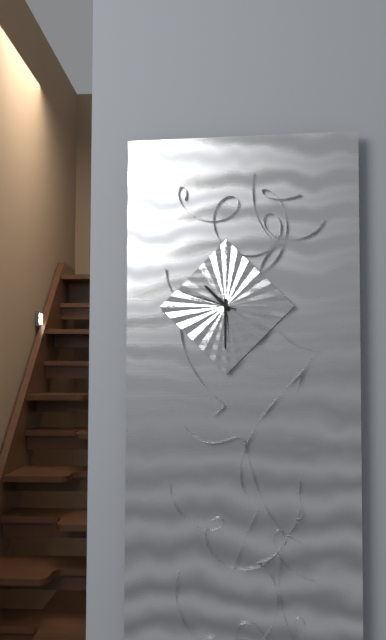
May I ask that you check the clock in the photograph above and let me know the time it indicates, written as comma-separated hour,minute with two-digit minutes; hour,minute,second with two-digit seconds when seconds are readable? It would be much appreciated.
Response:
10,30,48
